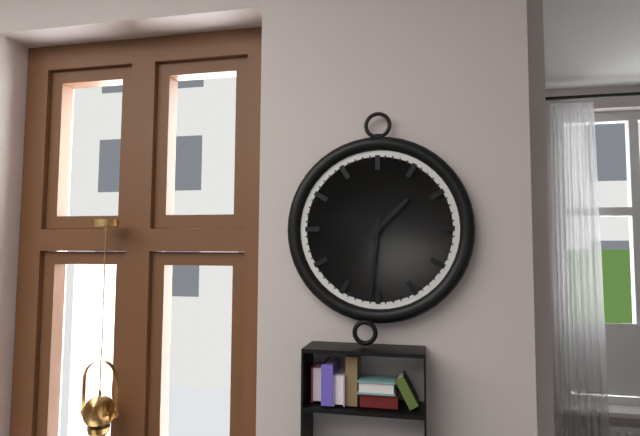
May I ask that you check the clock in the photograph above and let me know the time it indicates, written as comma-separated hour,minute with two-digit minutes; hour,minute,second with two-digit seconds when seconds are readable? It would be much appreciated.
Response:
1,31
